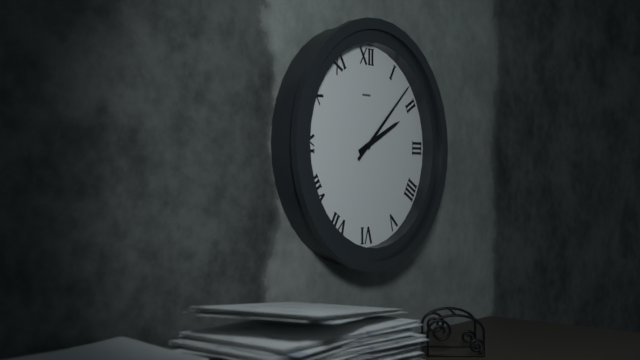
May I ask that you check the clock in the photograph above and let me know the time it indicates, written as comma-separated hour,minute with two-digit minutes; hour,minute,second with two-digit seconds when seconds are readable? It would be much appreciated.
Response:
2,08
